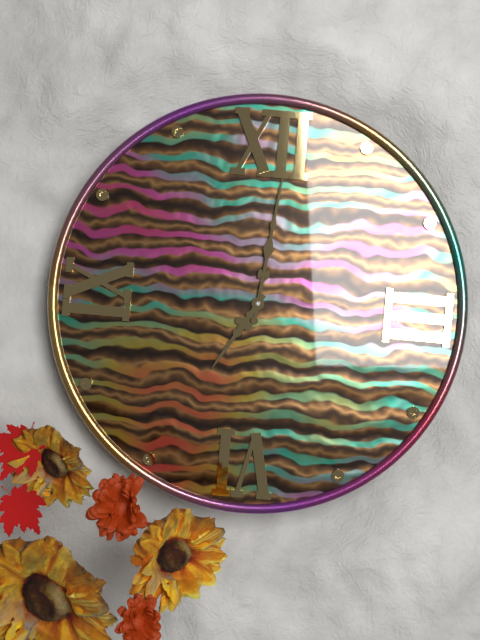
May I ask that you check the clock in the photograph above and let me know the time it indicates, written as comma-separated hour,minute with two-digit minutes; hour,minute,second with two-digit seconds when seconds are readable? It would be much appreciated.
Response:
7,01
